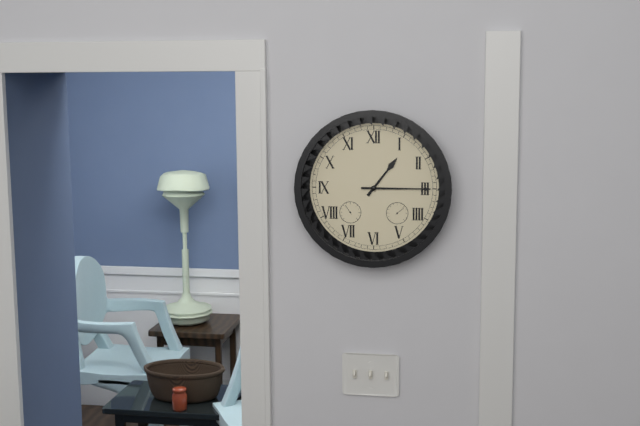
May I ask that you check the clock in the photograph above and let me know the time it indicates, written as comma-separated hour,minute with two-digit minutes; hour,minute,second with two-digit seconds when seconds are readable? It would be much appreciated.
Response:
1,15
